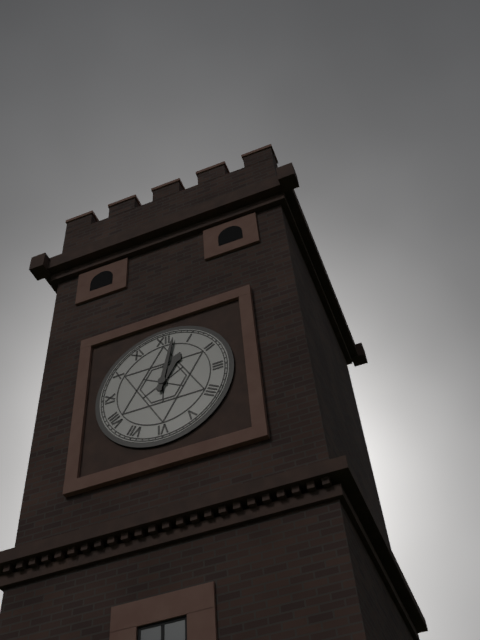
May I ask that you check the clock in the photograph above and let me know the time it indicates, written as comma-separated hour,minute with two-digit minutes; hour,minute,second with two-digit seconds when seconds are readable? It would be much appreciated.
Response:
1,02
